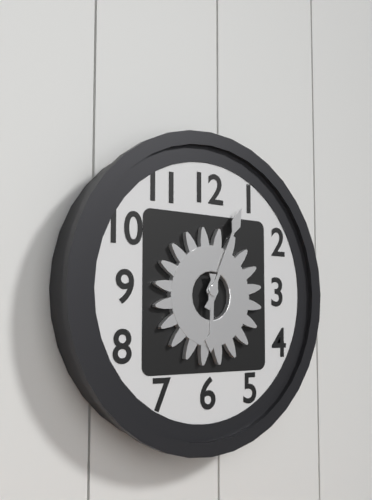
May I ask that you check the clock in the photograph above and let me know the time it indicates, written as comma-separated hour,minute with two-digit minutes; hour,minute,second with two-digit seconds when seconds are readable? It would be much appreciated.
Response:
6,04
